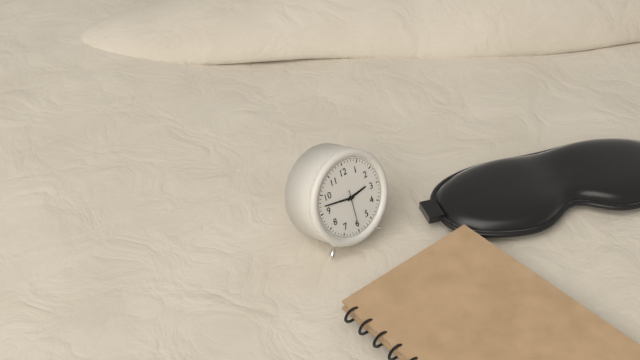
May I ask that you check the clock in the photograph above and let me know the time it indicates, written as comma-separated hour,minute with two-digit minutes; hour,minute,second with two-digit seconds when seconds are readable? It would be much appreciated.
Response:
2,47
